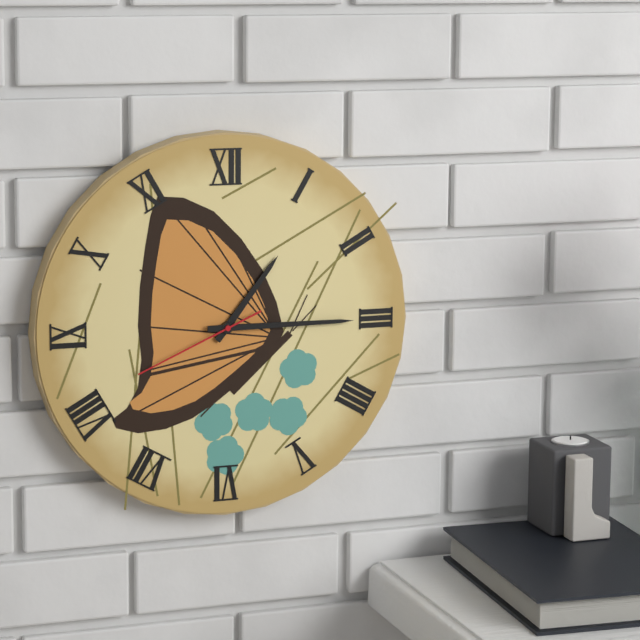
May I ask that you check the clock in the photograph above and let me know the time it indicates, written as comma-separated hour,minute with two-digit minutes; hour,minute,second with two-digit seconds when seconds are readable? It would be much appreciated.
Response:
1,15,41
